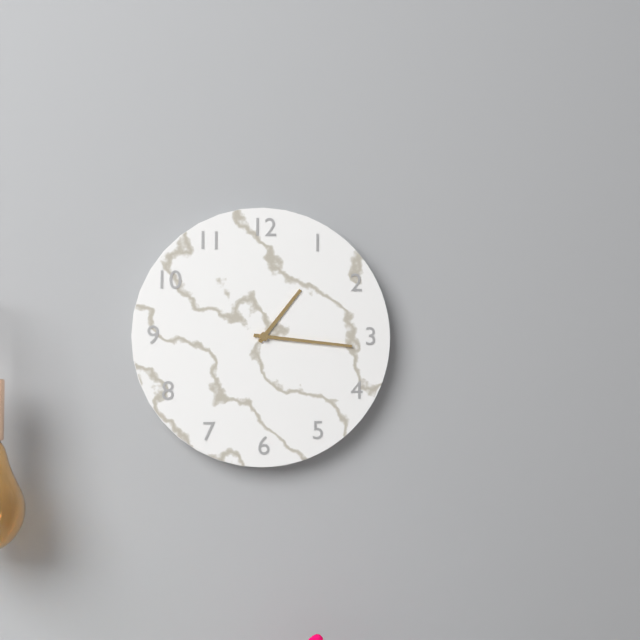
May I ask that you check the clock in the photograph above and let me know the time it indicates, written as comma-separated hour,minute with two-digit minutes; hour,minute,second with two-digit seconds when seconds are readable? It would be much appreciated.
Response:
1,16
